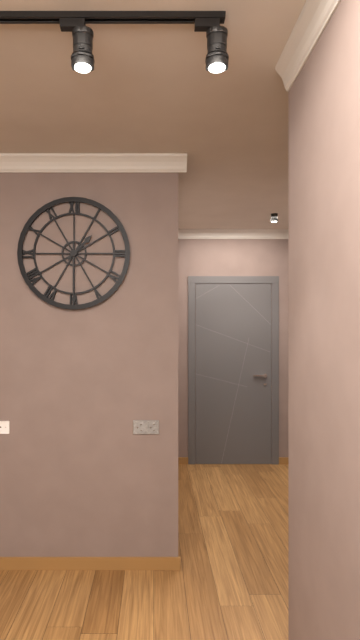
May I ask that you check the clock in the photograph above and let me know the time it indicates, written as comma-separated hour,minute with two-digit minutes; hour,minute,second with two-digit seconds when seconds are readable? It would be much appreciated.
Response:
1,30
